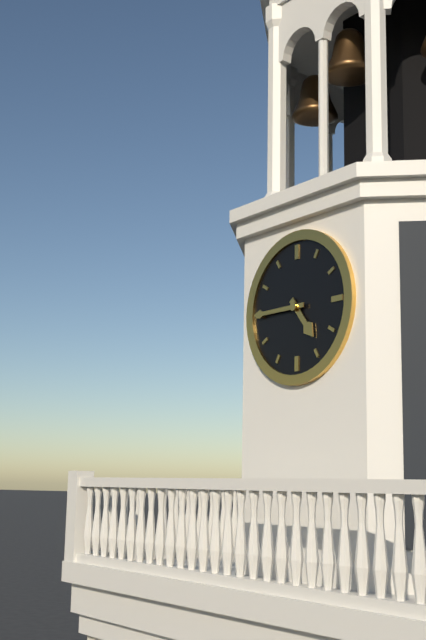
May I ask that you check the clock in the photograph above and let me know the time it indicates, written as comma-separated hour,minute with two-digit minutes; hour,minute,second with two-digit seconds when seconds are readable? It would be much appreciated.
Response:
4,45
